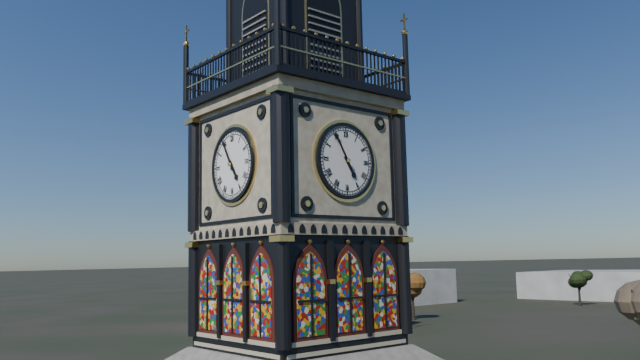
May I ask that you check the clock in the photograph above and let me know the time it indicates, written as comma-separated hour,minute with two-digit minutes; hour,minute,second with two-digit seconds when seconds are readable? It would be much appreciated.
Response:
4,55
